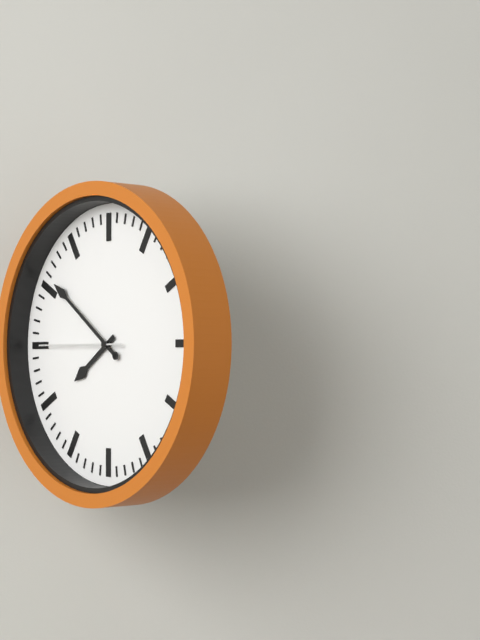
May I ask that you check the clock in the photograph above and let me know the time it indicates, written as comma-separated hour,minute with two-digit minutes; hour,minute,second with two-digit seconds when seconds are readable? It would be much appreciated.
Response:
7,51,45
